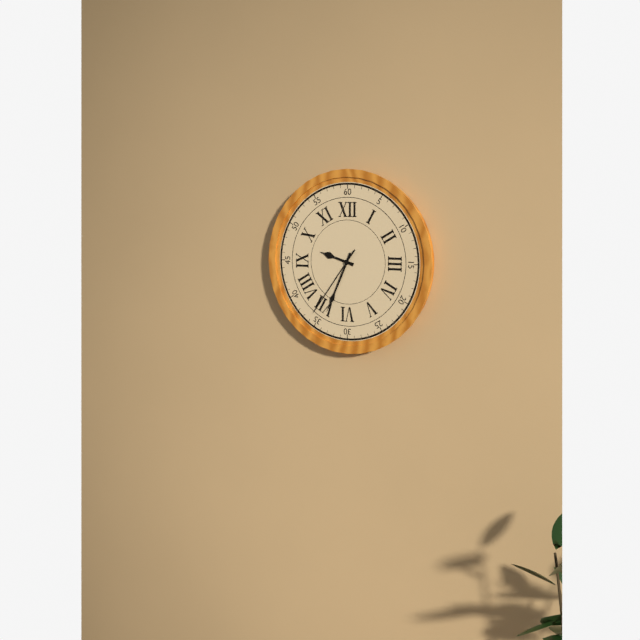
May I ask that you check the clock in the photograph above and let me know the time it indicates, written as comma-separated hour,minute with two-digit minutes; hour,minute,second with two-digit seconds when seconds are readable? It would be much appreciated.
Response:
9,34,36
